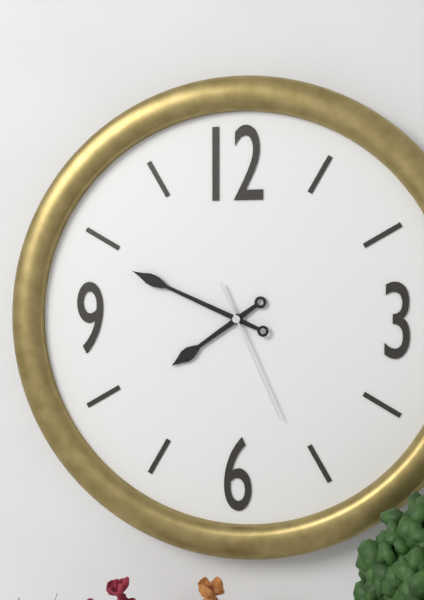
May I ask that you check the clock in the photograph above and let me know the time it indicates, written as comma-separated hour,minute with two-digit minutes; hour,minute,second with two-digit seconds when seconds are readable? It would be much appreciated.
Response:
7,49,26
